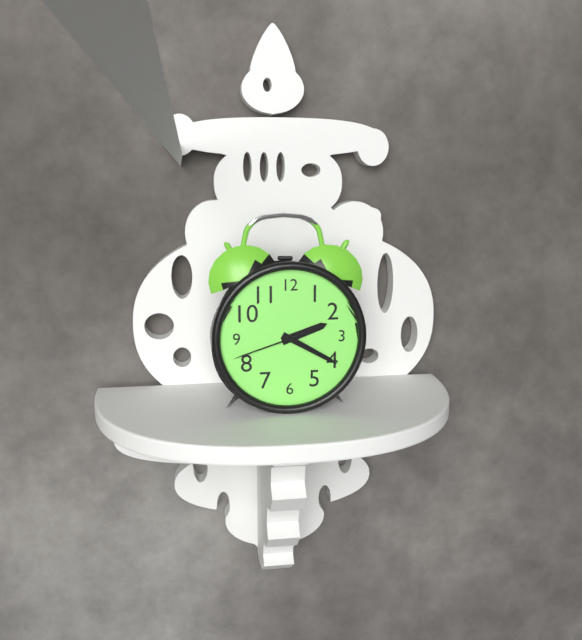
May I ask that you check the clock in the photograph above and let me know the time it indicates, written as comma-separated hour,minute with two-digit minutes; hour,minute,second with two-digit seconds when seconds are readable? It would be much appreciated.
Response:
2,20,42
